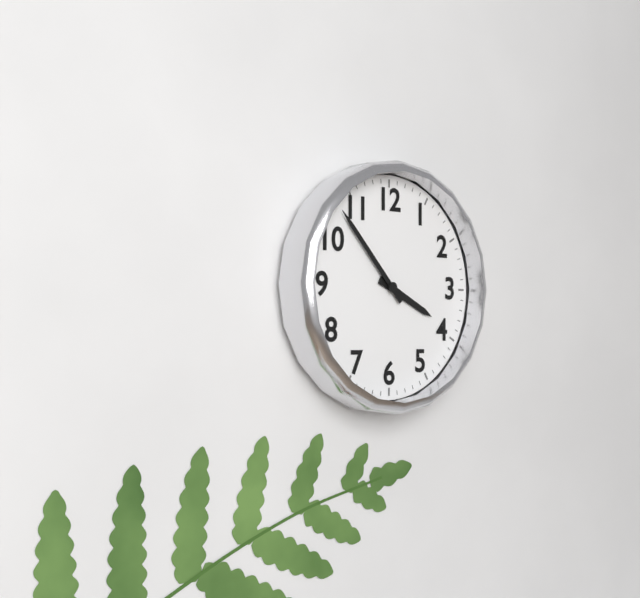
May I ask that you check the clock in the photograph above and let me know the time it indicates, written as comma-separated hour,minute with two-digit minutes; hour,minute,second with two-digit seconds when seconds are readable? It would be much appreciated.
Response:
3,53
